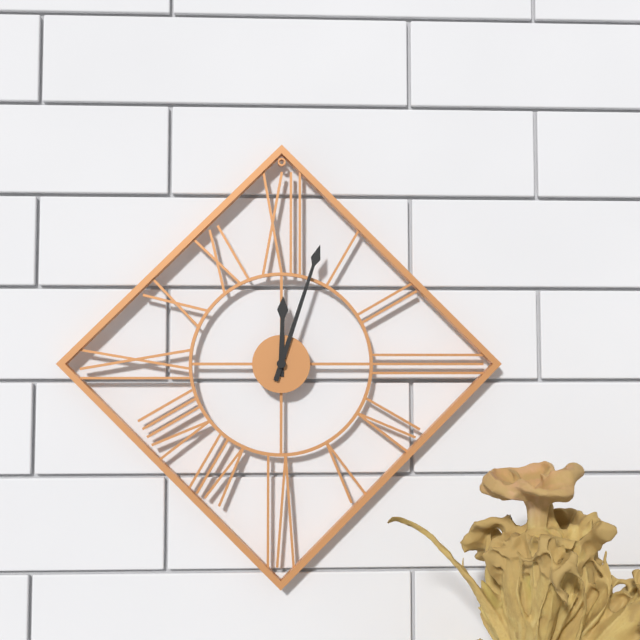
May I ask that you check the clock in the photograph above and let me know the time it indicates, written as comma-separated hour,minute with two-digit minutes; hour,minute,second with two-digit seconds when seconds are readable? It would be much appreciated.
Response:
12,03
